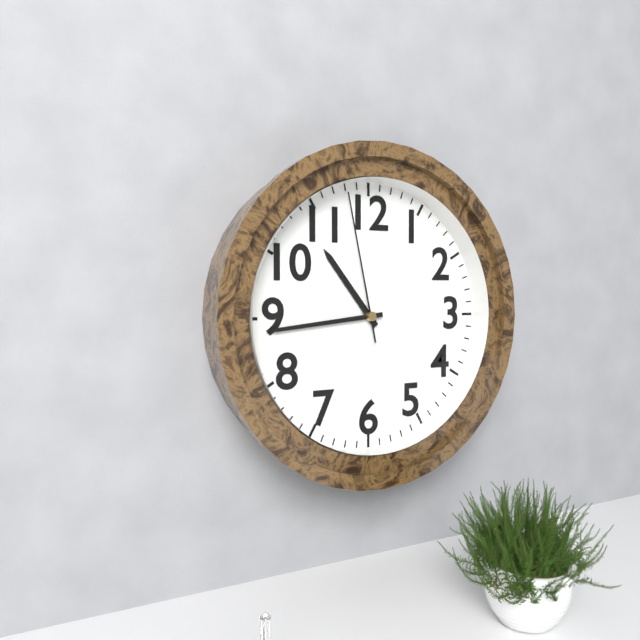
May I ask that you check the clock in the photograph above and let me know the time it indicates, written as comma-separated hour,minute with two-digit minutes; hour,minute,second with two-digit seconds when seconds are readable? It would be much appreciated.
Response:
10,44,58
